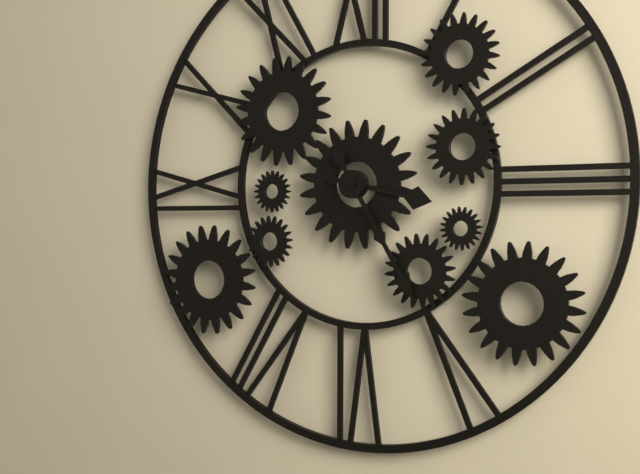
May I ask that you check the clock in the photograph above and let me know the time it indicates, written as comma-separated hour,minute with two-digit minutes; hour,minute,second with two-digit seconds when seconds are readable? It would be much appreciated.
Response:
3,25
